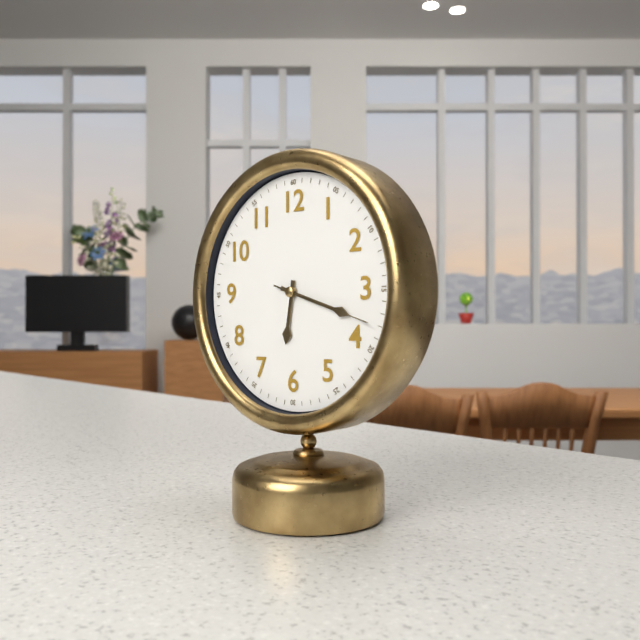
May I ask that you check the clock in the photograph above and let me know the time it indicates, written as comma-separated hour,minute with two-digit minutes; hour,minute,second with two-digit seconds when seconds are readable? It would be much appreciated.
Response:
6,18,18
